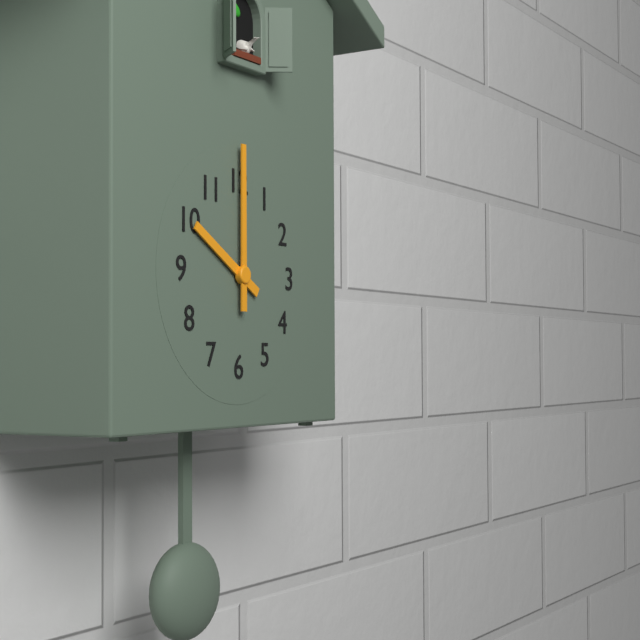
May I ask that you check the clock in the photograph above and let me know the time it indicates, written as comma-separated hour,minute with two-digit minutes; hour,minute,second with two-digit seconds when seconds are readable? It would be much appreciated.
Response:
10,00
